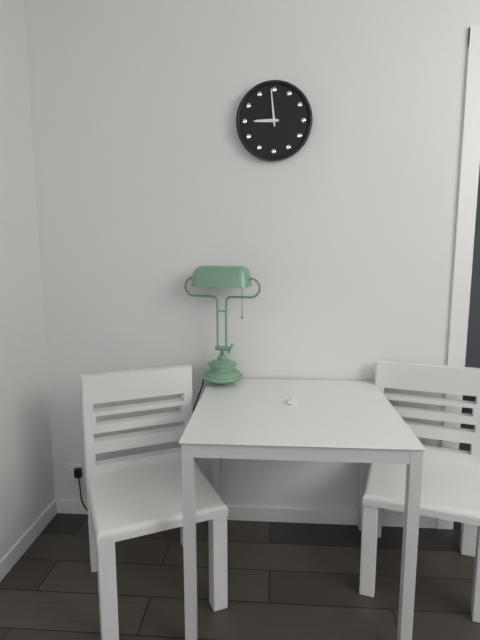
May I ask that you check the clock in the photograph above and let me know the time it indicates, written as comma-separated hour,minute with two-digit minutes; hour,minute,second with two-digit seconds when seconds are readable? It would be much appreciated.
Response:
8,59
